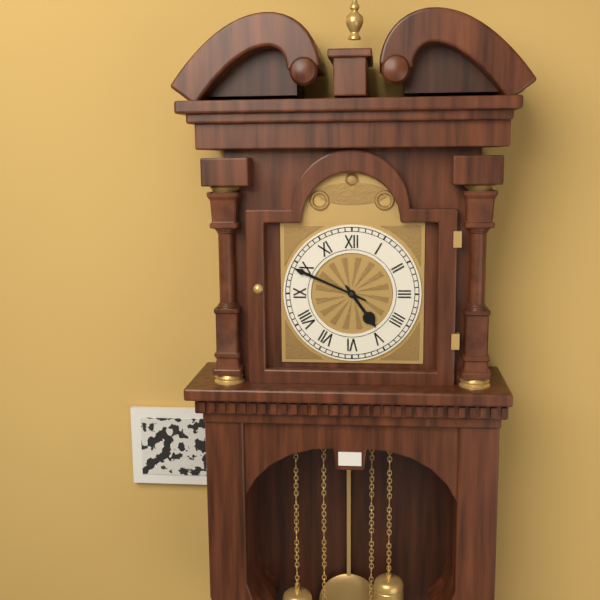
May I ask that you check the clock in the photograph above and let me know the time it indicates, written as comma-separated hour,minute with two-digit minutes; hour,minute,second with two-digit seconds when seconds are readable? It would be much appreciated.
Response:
4,49
